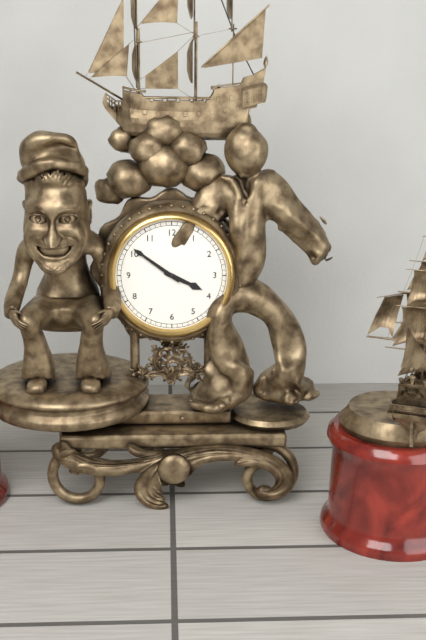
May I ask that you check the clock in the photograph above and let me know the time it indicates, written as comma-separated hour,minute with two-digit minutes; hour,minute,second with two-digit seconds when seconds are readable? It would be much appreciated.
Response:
3,51
